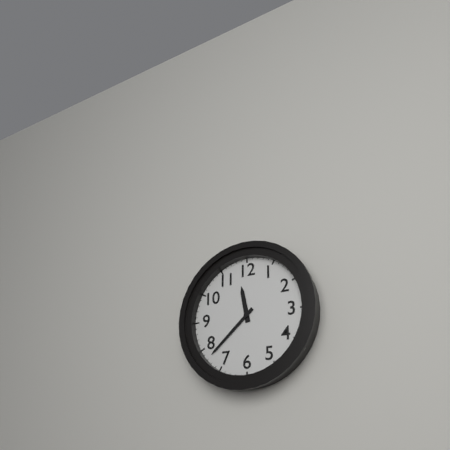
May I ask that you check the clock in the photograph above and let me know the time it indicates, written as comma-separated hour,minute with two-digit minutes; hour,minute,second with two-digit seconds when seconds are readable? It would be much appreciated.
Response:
11,38
